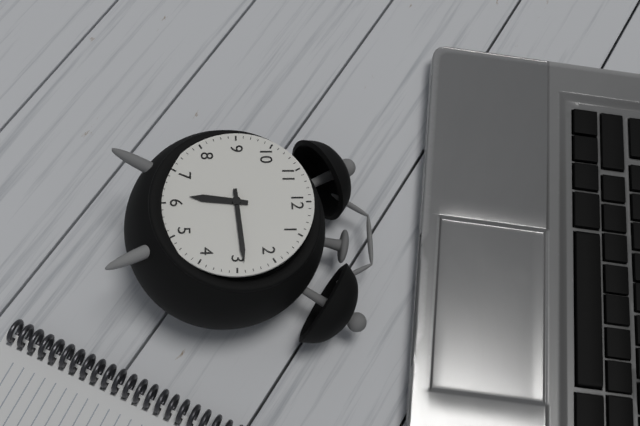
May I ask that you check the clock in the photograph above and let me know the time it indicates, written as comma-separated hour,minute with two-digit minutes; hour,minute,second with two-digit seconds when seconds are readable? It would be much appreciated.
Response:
6,14
